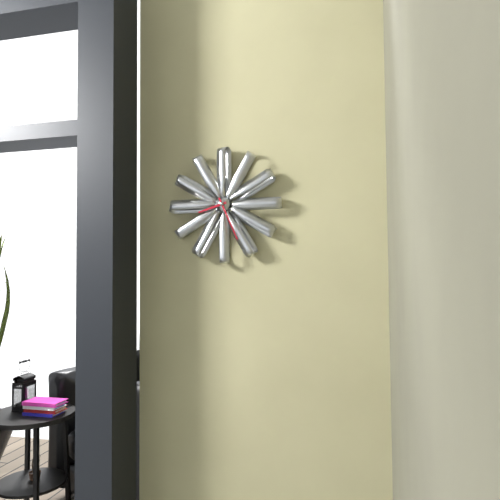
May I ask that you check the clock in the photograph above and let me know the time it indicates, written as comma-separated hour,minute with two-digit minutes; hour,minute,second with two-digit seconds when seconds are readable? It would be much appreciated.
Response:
8,26
